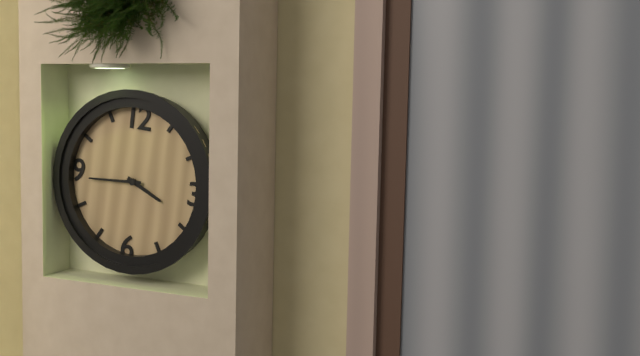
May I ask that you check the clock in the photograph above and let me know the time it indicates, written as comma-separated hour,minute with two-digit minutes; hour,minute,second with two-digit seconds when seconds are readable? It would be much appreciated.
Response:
3,44
